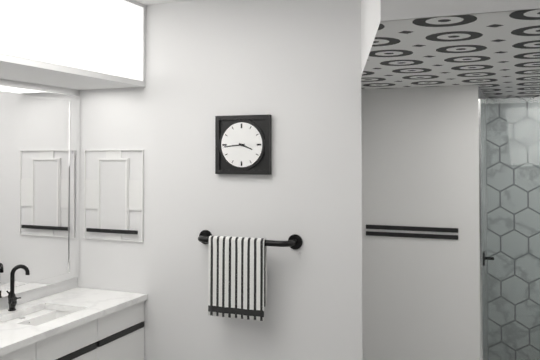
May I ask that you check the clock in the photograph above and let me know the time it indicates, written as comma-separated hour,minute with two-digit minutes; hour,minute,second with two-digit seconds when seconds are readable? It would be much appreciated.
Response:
3,44
